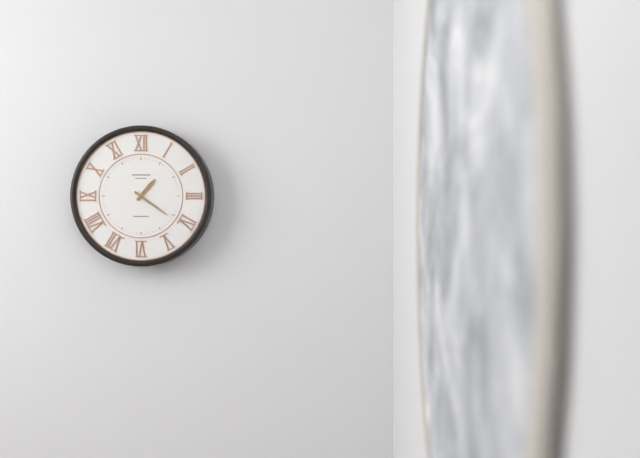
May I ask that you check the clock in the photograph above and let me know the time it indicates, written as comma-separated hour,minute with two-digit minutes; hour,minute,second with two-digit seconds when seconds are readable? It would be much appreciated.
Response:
1,21
